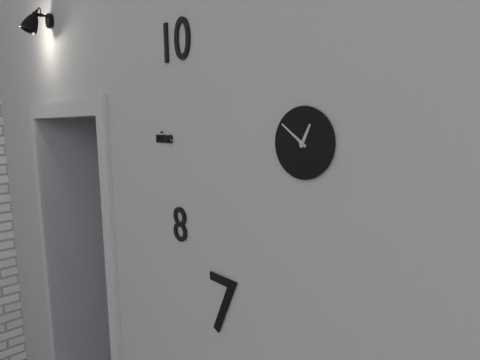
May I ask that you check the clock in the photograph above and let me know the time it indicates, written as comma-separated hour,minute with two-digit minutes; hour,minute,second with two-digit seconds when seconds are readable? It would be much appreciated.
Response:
12,51
